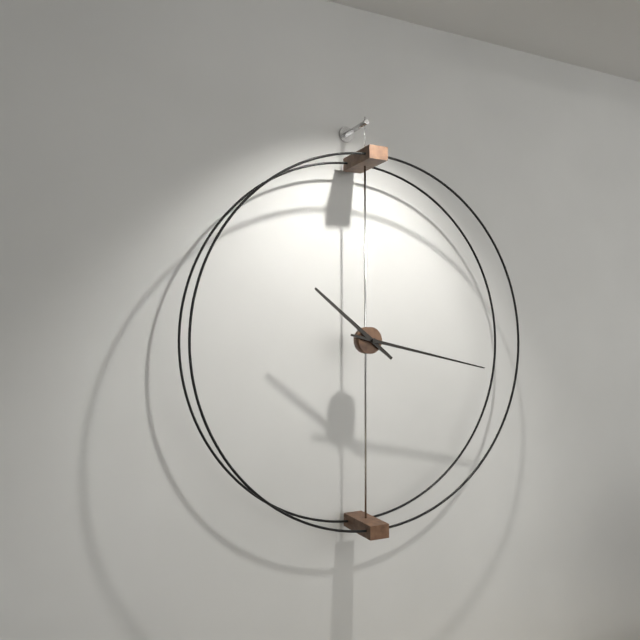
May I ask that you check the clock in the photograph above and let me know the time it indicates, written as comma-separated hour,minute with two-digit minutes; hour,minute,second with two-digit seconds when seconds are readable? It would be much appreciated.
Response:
10,17
